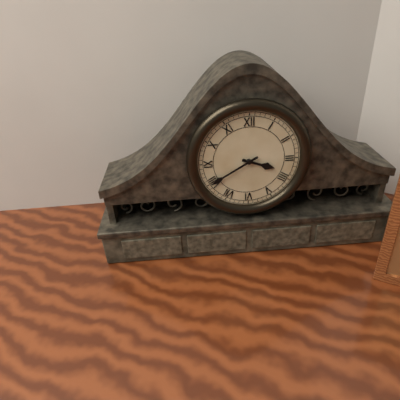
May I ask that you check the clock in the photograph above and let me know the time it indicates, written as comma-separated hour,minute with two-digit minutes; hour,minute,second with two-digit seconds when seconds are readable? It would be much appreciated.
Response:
3,40
